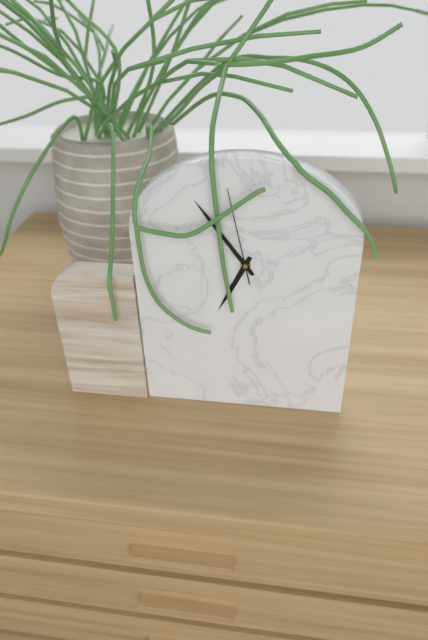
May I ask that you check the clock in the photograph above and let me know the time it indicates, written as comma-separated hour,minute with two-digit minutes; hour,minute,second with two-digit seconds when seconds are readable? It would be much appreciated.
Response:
6,54,58
